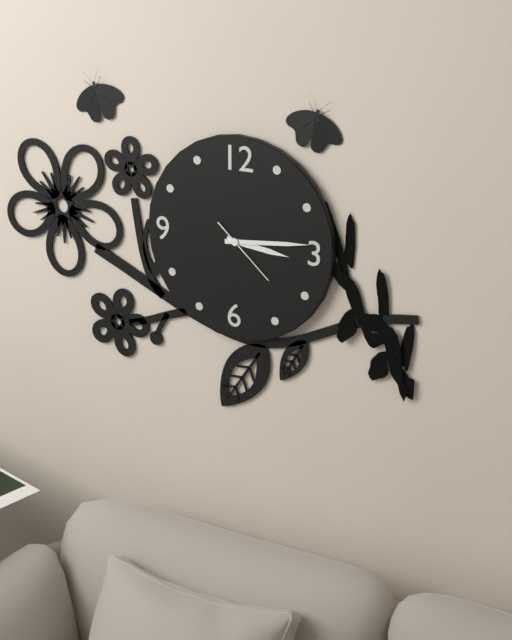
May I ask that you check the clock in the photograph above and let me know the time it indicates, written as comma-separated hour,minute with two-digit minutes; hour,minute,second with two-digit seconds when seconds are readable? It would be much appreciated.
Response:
3,14,22
